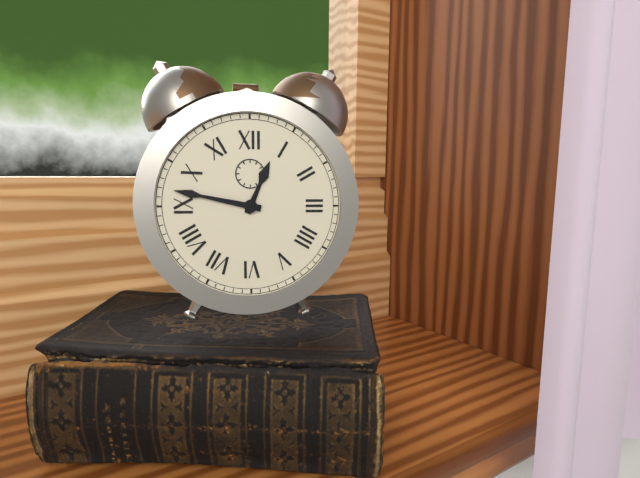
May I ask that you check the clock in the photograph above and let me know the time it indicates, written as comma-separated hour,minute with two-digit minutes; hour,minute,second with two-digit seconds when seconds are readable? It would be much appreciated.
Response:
12,47
